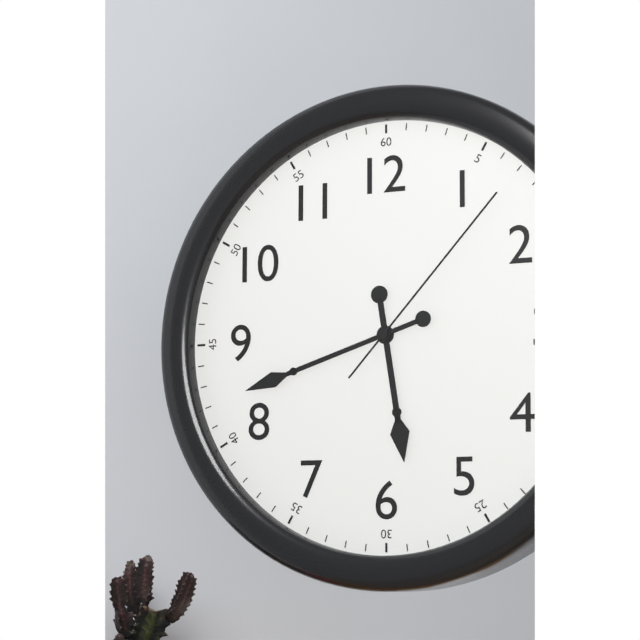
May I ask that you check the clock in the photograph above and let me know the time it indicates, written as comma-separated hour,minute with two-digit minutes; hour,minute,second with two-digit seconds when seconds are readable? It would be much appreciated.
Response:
5,42,07
